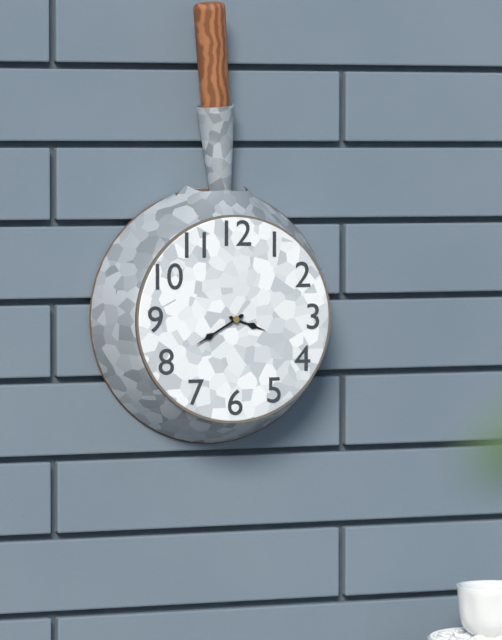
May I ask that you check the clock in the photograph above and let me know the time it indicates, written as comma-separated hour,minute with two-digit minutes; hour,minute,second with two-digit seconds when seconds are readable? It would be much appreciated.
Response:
3,40
